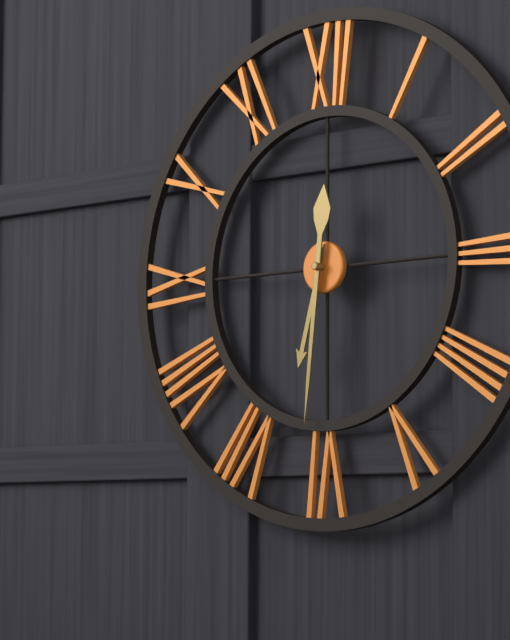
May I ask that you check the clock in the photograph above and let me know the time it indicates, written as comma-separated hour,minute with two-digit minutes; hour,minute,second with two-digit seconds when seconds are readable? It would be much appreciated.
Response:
6,31
